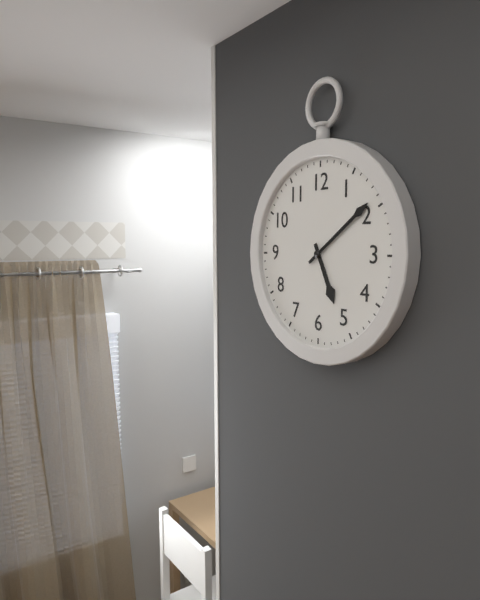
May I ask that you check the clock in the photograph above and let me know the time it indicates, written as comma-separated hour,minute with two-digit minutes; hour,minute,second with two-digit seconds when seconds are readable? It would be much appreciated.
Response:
5,09
